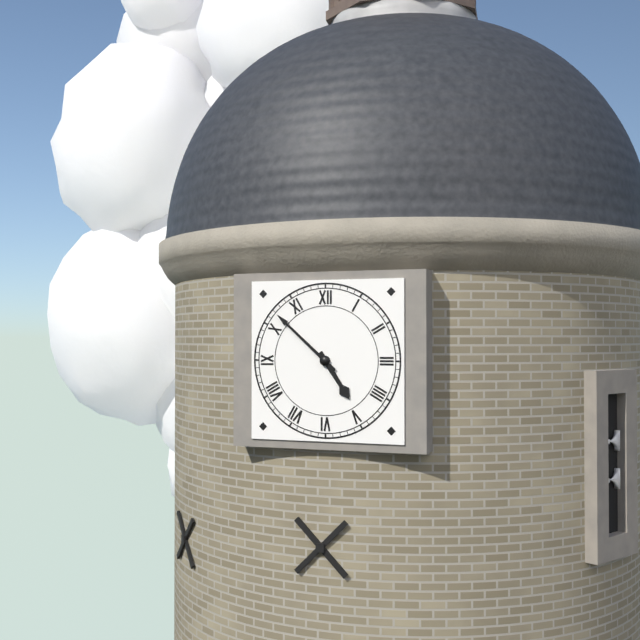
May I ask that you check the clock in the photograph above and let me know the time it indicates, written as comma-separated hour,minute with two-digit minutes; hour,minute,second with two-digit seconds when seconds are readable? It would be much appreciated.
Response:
4,52
